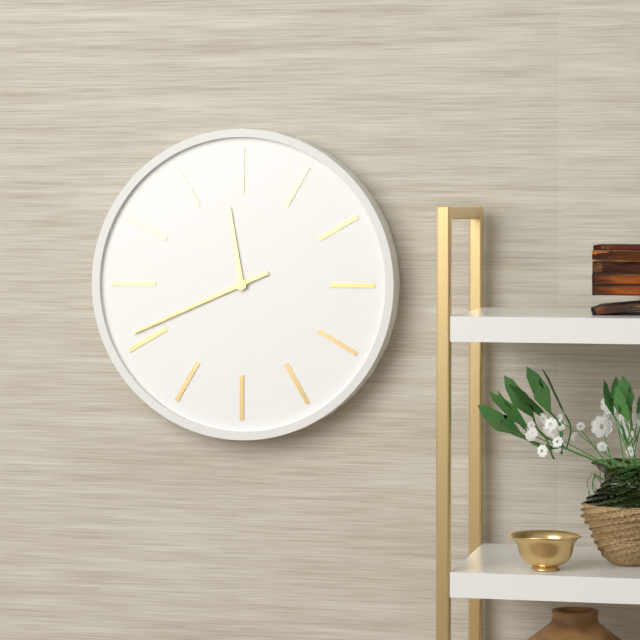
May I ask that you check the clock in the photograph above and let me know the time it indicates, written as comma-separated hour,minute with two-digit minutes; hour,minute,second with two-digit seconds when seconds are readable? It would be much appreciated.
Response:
11,41
